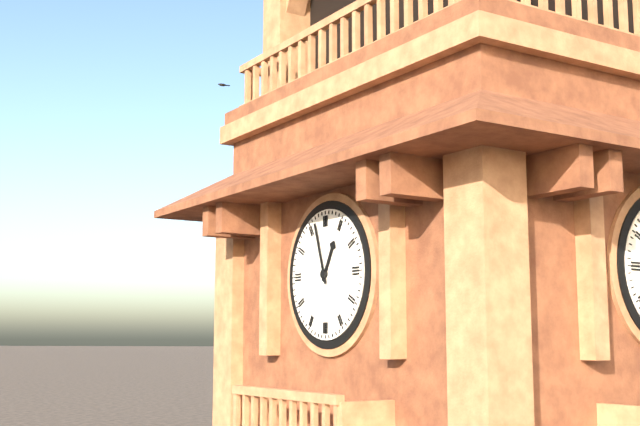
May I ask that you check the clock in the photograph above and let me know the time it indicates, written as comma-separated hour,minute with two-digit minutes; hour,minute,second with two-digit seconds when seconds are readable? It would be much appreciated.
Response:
12,57
